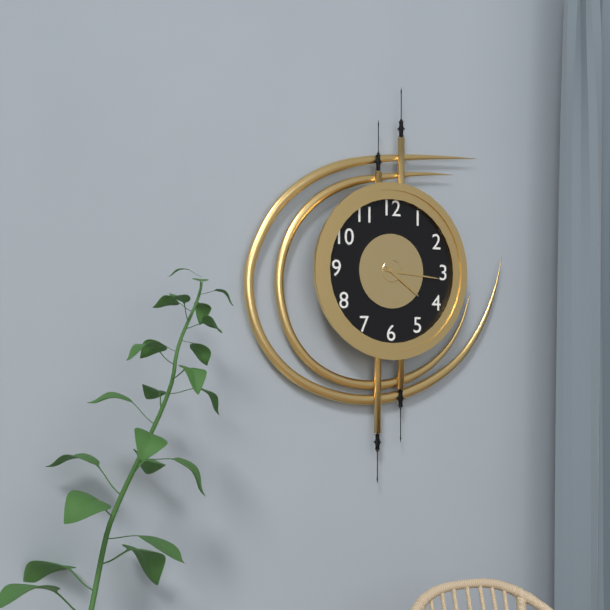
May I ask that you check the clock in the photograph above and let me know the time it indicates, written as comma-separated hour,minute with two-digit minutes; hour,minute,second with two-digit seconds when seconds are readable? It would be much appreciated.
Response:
4,16
